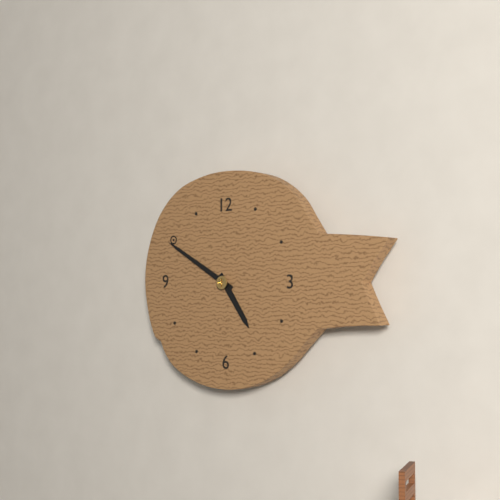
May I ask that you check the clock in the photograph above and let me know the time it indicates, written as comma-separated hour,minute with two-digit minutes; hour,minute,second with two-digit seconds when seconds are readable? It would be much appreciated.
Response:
4,50
